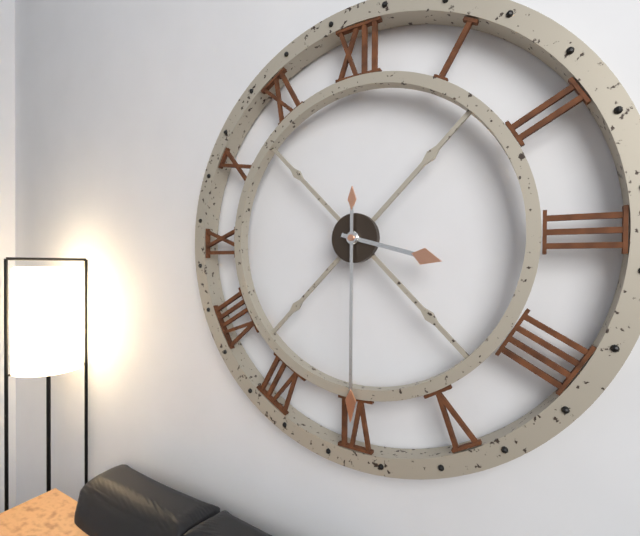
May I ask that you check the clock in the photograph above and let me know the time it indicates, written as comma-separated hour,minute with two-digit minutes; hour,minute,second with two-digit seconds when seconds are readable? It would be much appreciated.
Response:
3,30
